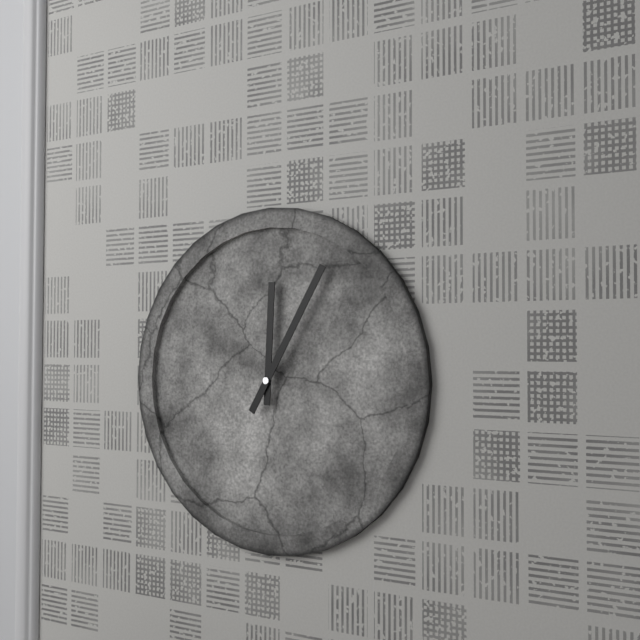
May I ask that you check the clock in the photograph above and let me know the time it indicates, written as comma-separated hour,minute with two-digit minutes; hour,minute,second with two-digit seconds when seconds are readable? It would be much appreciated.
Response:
12,05
